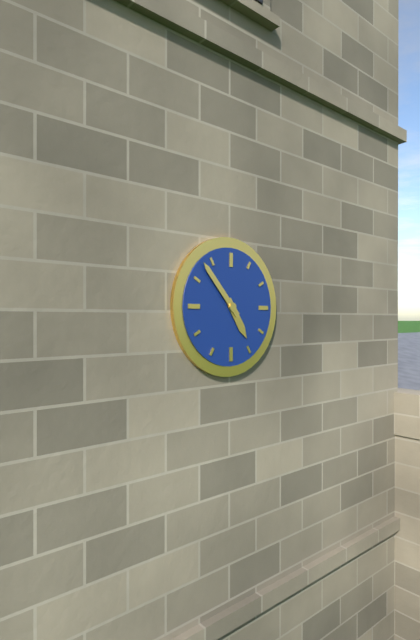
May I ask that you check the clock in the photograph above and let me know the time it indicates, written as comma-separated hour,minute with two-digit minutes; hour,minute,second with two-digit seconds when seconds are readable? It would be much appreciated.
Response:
4,53
